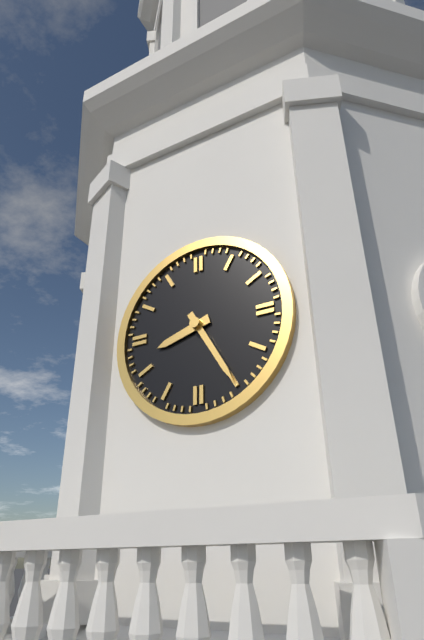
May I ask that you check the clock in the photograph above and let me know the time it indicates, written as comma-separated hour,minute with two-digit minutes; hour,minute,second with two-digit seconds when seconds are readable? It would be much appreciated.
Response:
8,25
